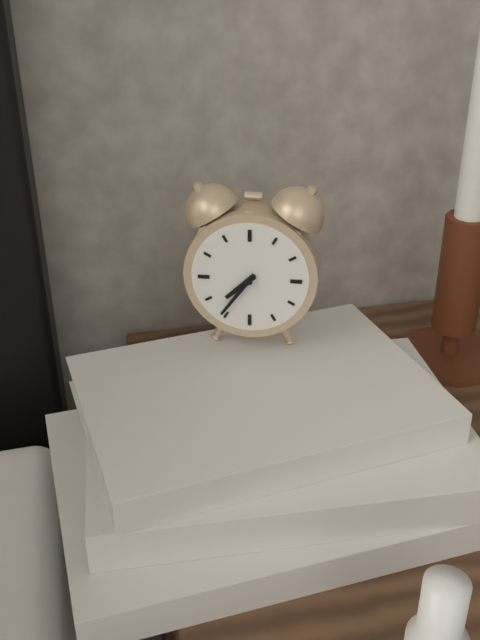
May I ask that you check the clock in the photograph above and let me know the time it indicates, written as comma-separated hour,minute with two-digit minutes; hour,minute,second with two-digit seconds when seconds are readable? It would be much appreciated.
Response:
7,36
